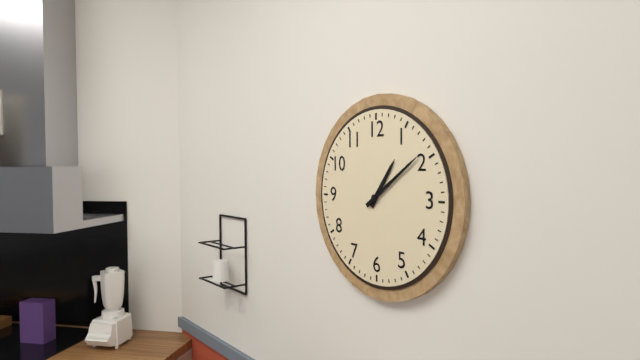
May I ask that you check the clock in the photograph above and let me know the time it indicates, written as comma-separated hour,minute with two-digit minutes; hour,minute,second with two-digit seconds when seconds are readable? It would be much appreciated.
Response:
1,09
